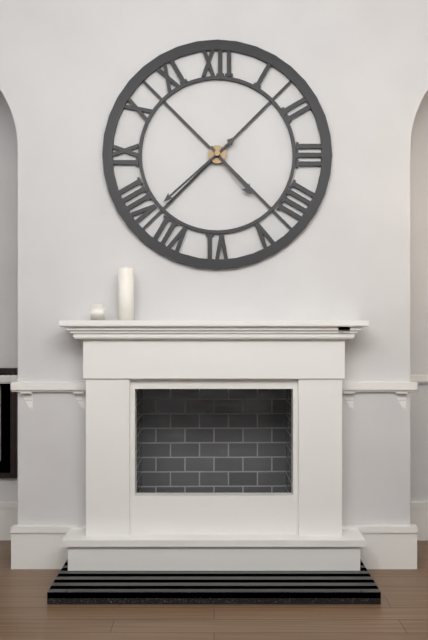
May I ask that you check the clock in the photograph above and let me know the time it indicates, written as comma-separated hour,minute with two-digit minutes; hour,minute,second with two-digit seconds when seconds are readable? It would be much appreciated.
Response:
4,38
